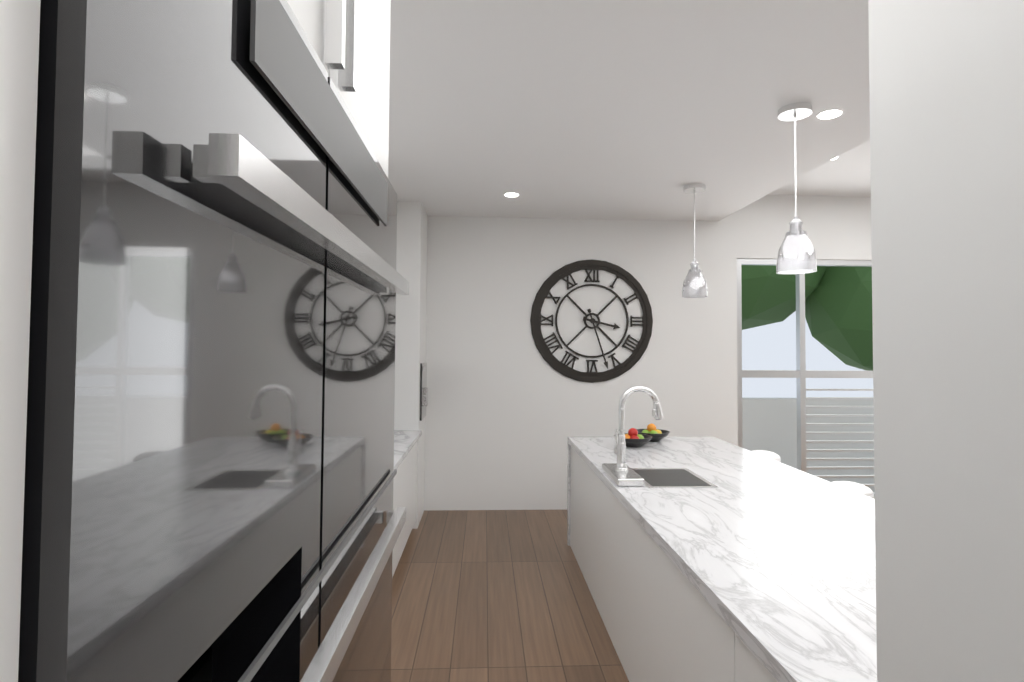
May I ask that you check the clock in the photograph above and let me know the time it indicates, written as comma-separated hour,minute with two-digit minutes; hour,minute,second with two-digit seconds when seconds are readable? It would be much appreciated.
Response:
3,27
